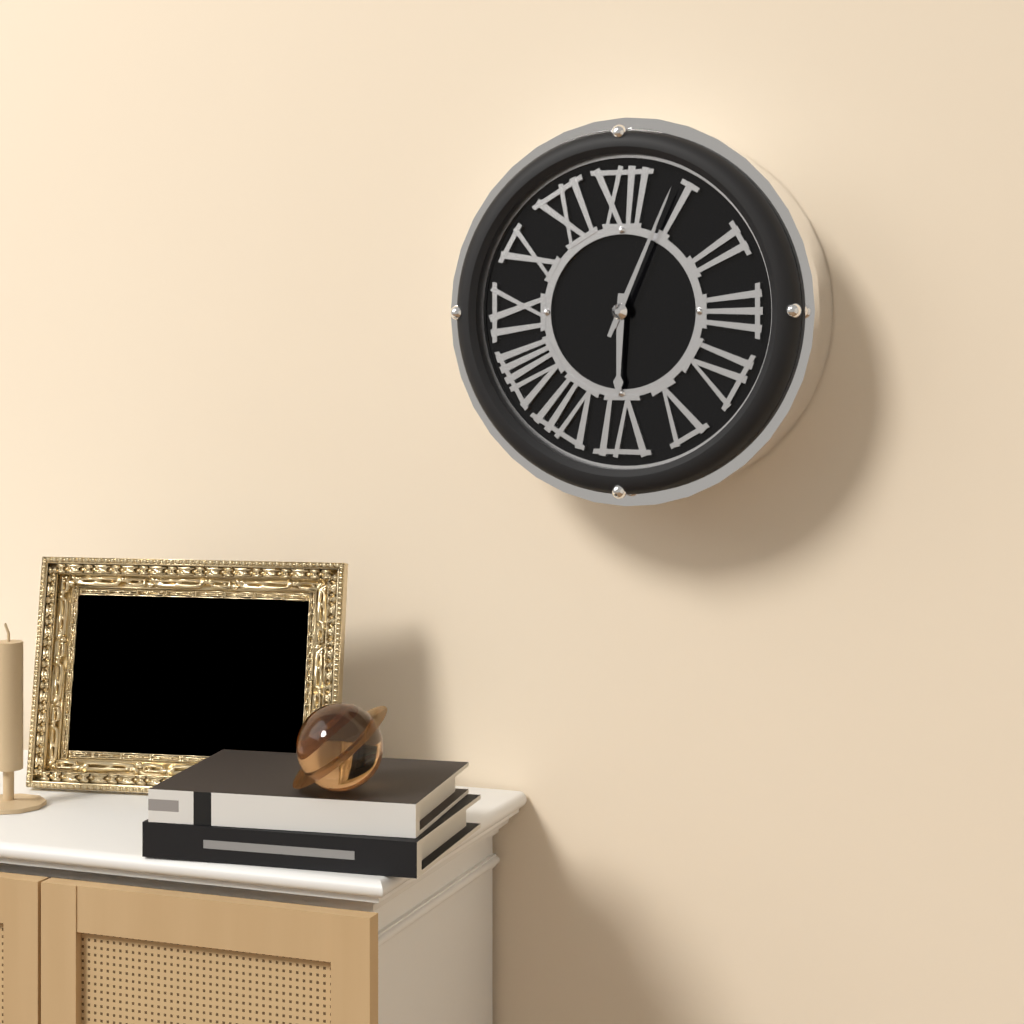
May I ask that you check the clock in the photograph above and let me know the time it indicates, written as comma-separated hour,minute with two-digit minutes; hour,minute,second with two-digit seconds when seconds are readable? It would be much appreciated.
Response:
6,04
